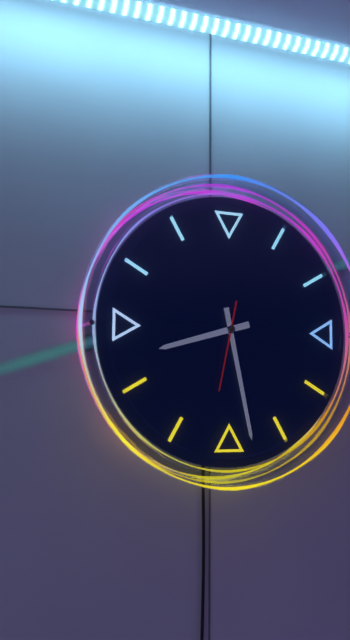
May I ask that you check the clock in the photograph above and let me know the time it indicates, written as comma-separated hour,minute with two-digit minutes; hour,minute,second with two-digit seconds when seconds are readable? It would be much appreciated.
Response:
8,28,32
